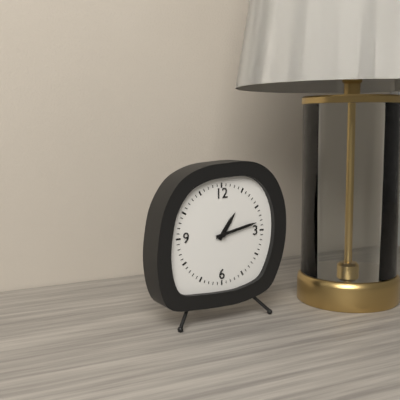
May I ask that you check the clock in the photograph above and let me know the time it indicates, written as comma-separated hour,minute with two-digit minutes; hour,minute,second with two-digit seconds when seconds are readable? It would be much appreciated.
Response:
1,13
